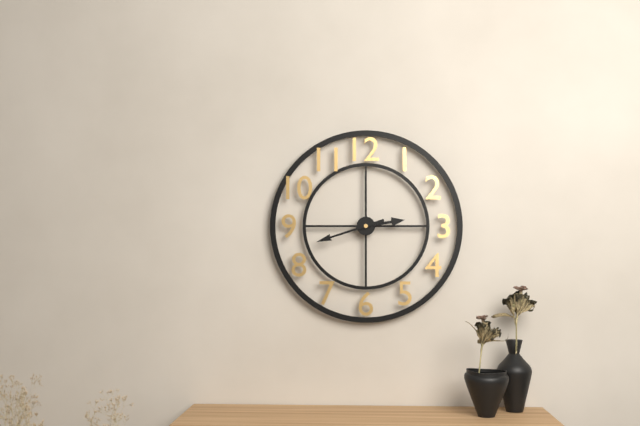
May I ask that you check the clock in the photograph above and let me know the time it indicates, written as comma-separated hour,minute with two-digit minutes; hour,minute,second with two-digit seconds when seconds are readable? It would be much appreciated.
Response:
2,42
